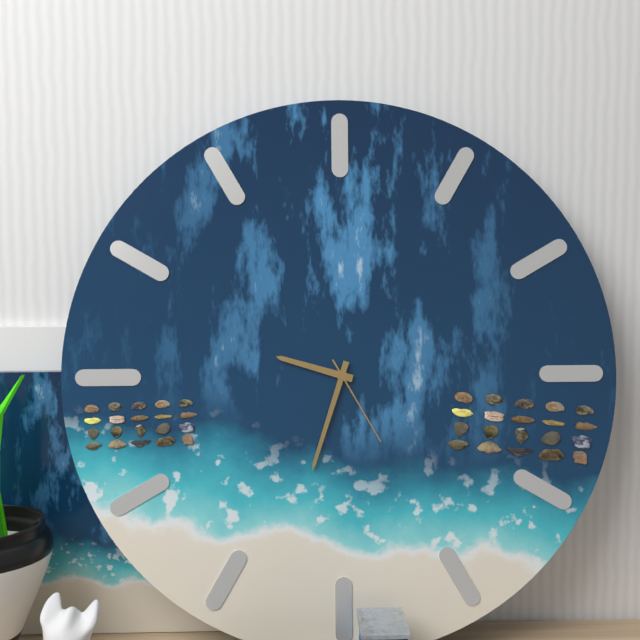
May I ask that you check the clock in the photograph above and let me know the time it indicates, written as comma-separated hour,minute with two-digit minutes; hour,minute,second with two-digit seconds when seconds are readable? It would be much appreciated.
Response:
9,33,25
